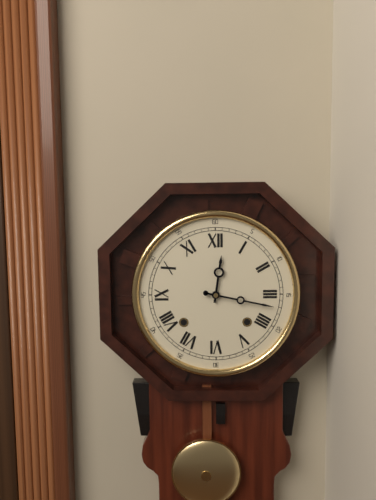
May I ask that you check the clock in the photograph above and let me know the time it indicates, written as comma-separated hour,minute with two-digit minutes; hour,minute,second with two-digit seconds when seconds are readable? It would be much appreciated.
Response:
12,17
